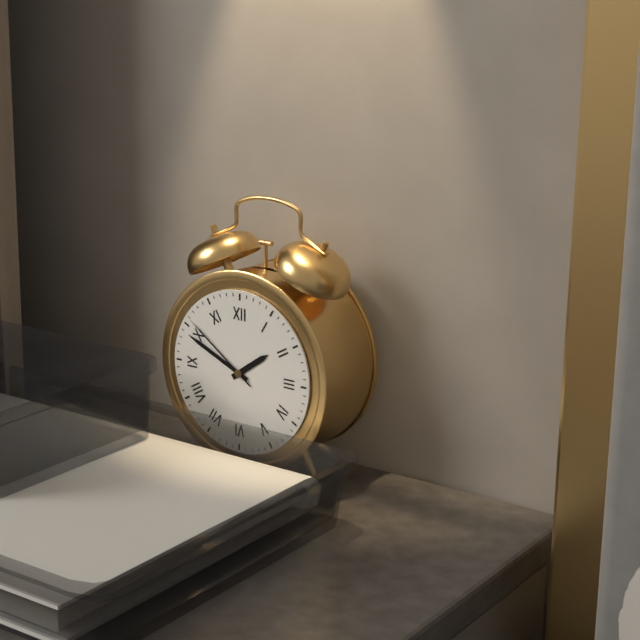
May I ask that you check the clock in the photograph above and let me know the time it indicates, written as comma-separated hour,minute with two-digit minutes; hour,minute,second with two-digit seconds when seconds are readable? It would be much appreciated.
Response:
1,49,51
